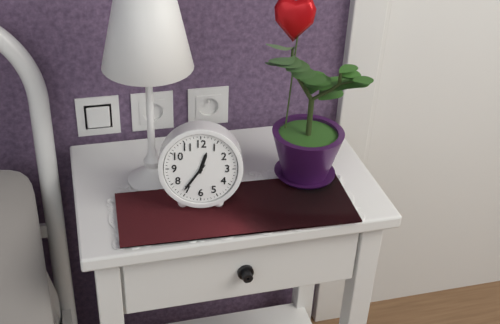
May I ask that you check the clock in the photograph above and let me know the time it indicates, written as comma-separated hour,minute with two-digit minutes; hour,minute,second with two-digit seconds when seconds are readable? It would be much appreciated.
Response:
12,36
